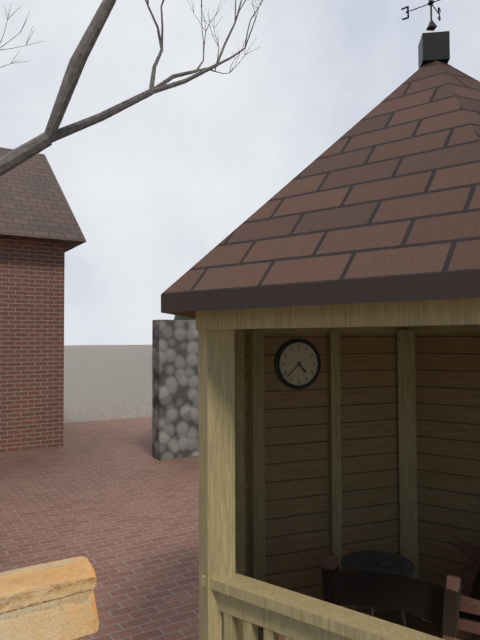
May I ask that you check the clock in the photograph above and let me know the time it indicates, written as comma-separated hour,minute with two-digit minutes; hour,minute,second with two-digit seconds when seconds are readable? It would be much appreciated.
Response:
4,38
